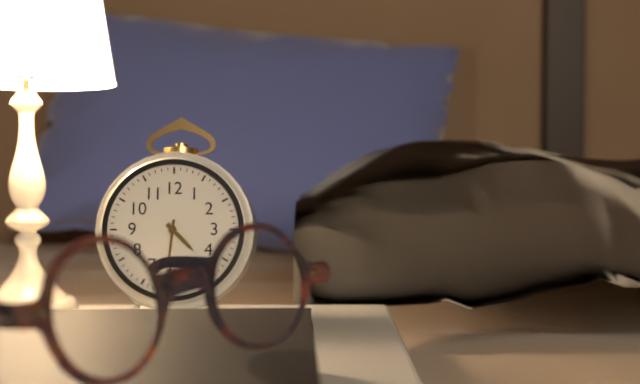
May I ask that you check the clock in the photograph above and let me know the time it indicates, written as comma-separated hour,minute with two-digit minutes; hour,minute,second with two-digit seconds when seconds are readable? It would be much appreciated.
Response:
4,31
